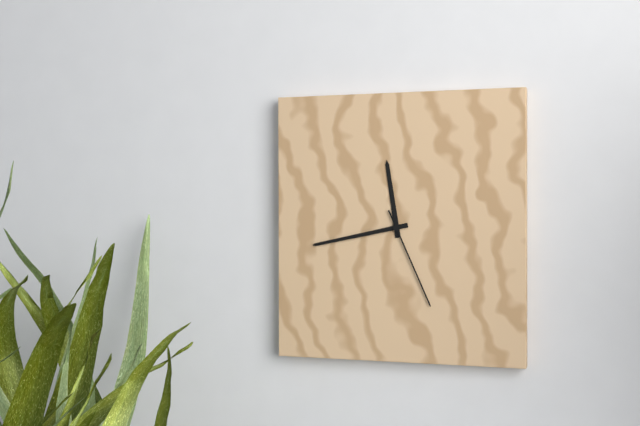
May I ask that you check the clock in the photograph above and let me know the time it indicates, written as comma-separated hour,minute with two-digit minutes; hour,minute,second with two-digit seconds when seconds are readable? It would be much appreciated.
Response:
11,43,26
